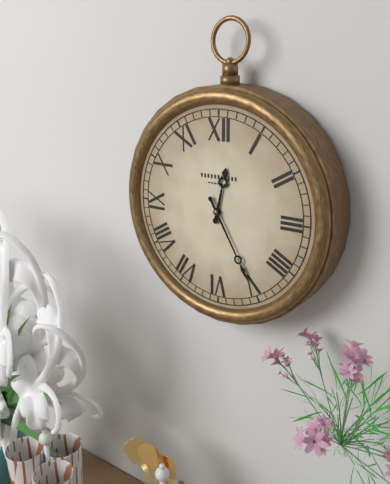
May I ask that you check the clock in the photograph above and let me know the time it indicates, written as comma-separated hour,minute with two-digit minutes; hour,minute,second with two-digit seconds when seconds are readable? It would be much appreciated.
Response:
12,25
